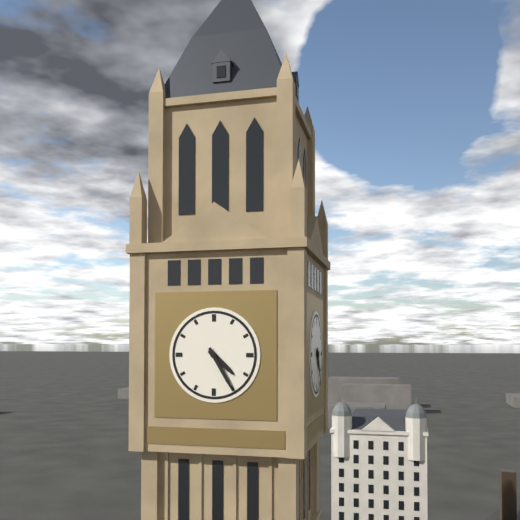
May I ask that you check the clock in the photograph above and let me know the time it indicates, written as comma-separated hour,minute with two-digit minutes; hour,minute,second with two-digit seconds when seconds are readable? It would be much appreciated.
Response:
4,25
